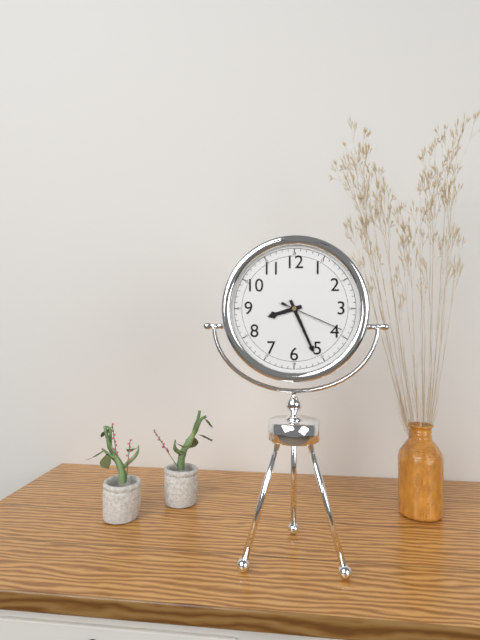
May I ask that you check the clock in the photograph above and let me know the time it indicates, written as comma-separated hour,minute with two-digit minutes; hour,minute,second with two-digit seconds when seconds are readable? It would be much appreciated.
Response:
8,26,19
